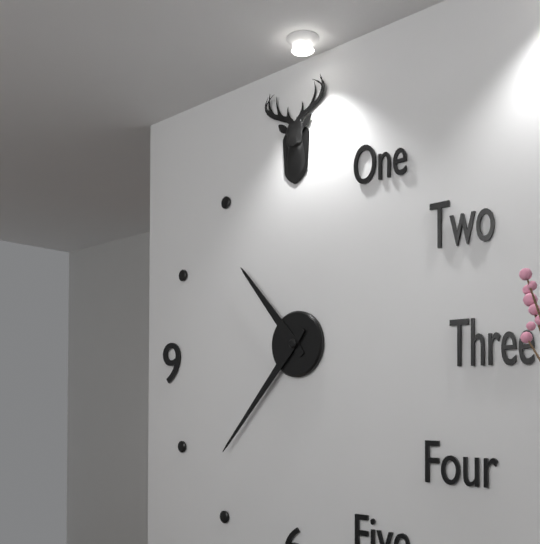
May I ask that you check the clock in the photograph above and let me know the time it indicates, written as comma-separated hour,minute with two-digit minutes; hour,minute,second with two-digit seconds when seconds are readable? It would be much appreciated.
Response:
10,37
